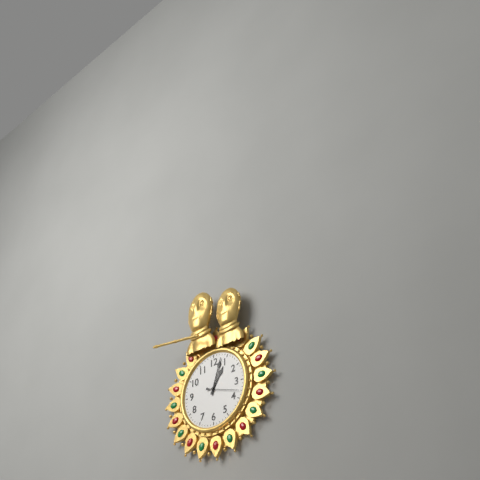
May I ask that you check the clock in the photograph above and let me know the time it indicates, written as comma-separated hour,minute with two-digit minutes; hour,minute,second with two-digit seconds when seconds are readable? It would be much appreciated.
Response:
1,03
